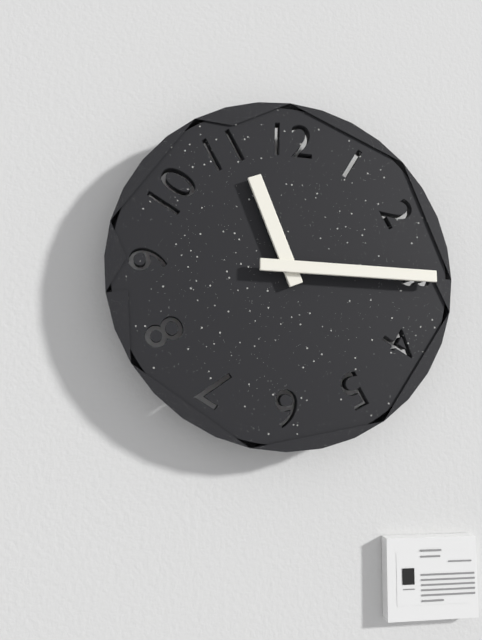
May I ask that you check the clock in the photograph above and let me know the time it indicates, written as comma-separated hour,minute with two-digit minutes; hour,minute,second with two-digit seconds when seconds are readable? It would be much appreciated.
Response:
11,15
